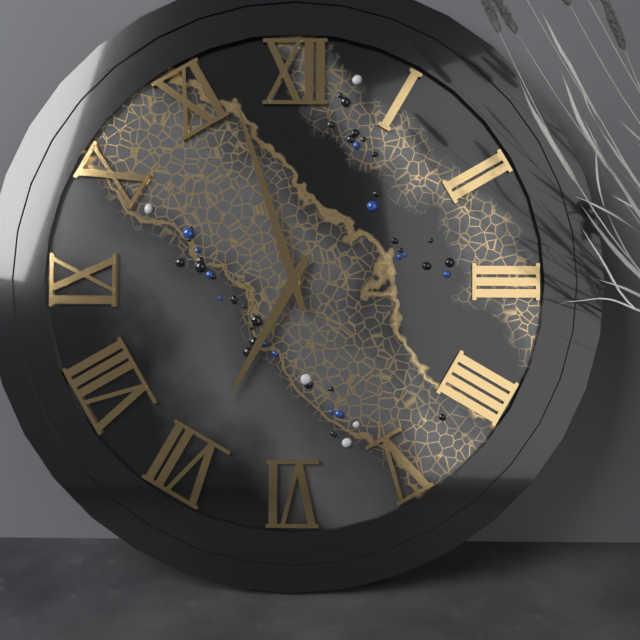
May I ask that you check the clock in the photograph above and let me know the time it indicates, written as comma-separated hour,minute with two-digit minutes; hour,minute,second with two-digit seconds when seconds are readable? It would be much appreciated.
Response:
6,57
